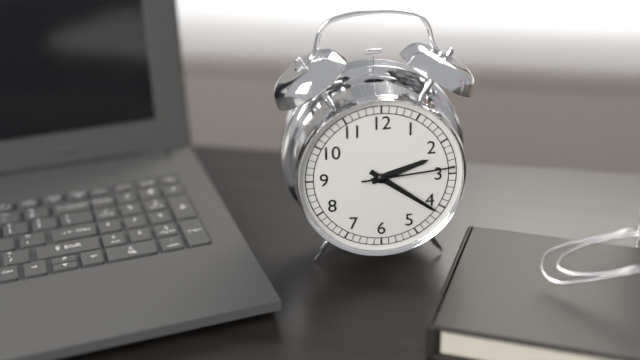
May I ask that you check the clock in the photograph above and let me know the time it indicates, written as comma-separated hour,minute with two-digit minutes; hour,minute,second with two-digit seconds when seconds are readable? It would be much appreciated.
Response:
2,21,14
